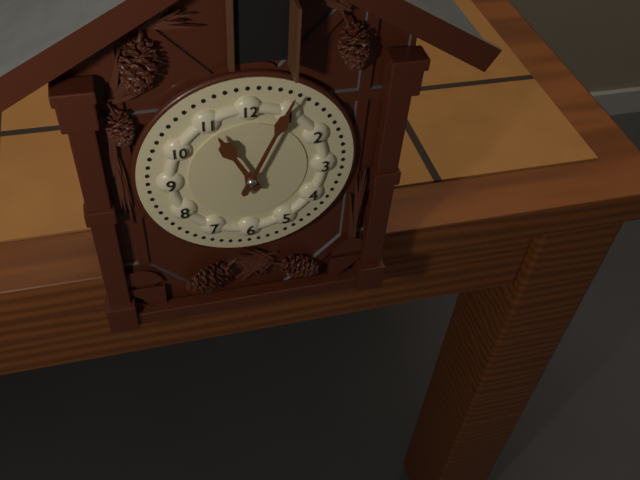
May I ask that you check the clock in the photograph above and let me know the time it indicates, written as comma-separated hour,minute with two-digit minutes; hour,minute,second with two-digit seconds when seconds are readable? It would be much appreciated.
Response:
11,04
